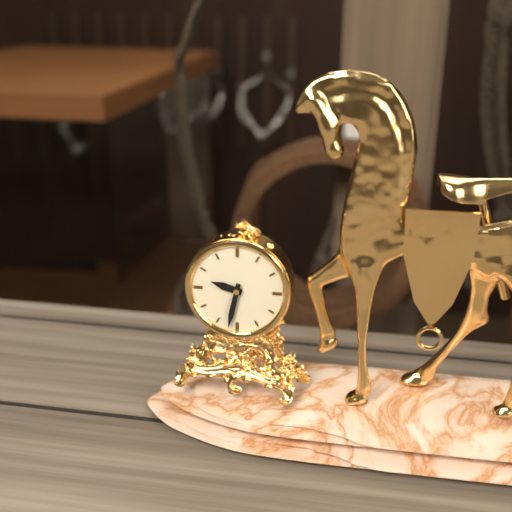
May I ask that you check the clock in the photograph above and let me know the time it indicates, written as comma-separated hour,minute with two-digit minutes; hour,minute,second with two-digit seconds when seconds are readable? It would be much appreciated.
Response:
9,32
